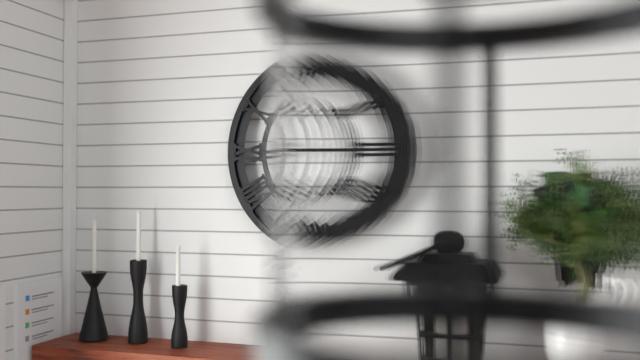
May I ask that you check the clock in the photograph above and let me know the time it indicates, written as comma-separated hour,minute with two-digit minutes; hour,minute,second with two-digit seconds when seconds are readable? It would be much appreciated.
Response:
11,44
